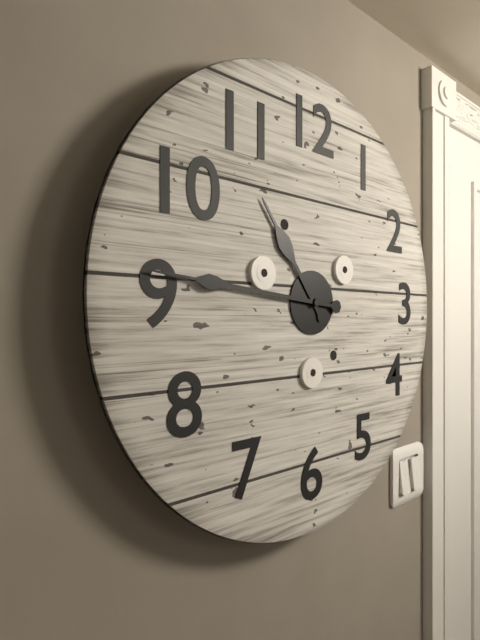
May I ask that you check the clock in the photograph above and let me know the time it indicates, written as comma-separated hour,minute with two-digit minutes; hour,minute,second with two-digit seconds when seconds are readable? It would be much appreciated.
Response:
10,46
